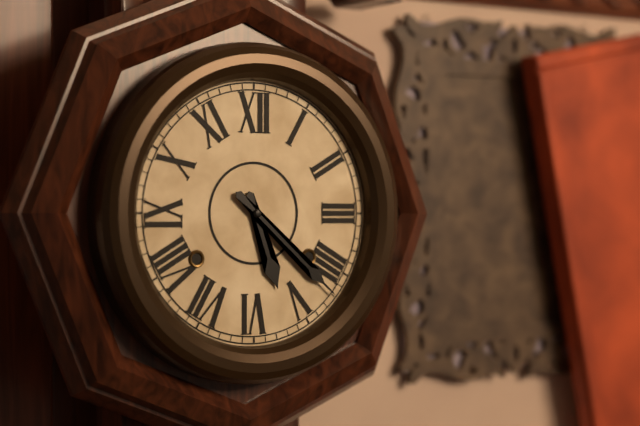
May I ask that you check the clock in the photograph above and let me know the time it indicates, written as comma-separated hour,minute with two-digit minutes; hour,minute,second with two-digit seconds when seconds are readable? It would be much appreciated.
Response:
5,22
